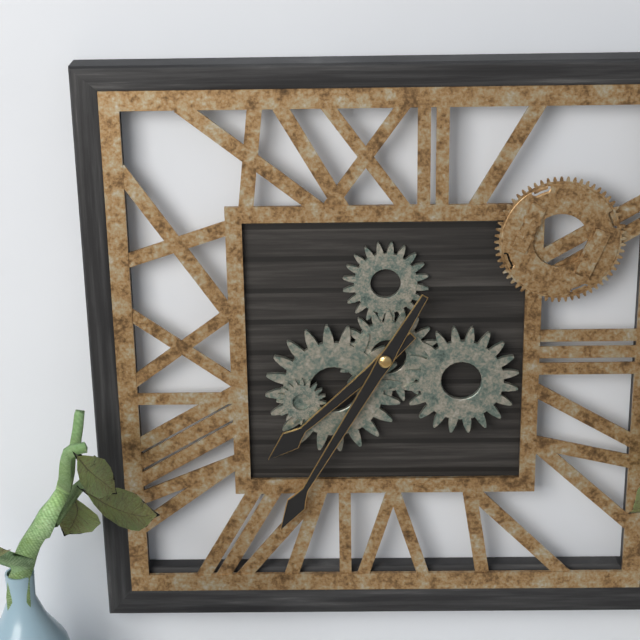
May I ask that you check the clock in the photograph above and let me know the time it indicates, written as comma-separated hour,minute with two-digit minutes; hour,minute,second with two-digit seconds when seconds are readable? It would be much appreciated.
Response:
7,35
